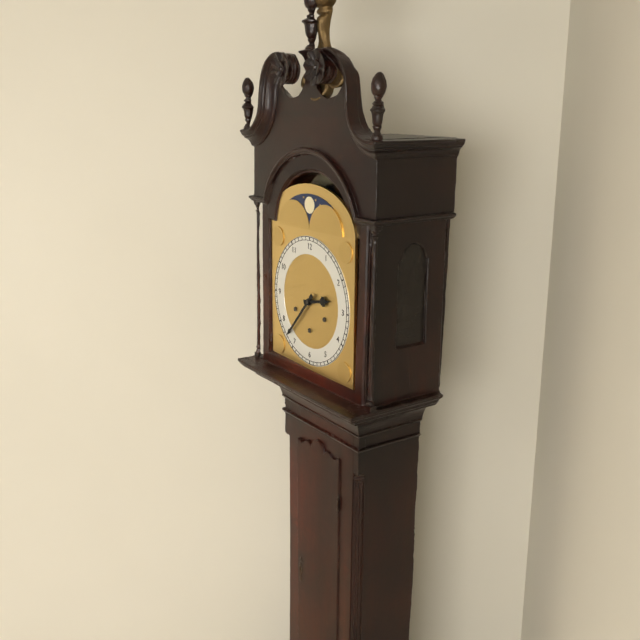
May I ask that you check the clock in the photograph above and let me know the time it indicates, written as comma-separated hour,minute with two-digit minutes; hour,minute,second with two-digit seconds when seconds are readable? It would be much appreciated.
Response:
2,37
